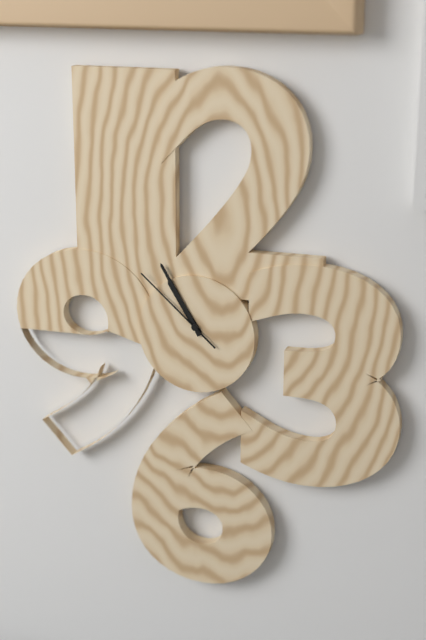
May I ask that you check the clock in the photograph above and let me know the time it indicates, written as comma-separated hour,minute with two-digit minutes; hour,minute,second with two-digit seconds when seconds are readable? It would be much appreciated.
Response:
10,55,52
